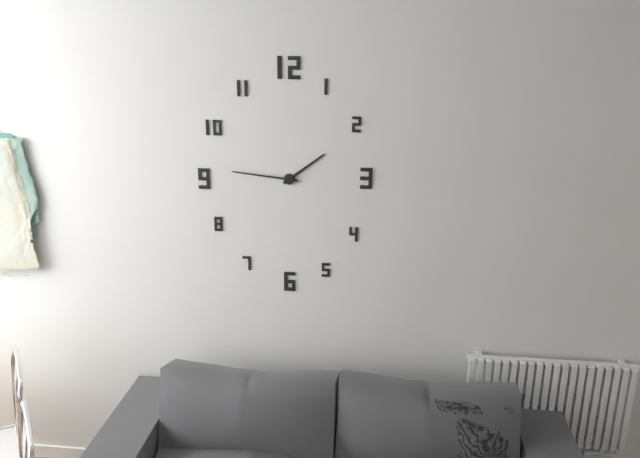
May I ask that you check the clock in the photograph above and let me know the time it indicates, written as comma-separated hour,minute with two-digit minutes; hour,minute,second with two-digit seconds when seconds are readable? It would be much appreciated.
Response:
1,46
